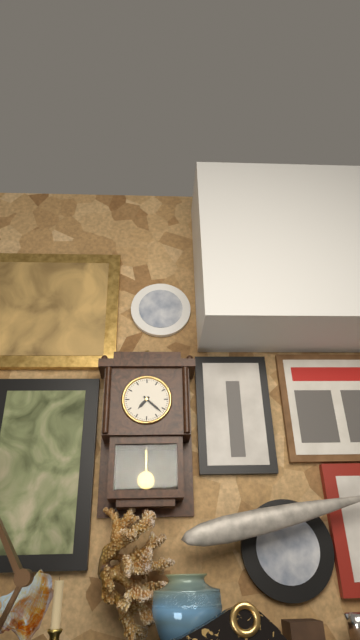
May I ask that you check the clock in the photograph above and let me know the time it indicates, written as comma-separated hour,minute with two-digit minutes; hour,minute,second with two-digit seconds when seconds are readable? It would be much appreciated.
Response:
7,22
